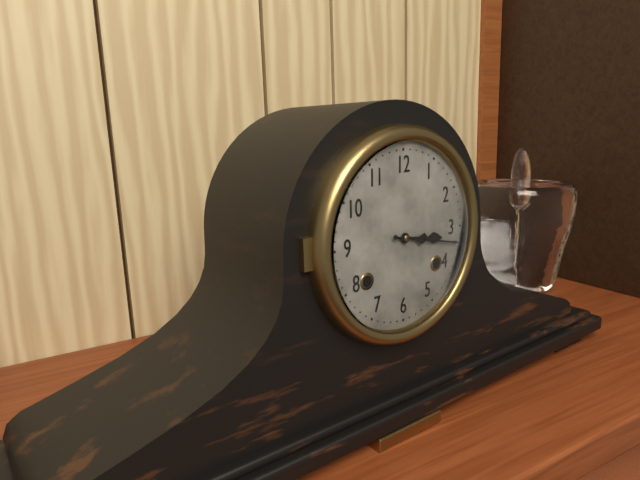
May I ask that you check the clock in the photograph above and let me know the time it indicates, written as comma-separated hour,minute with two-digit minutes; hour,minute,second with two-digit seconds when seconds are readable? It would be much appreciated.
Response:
3,17
